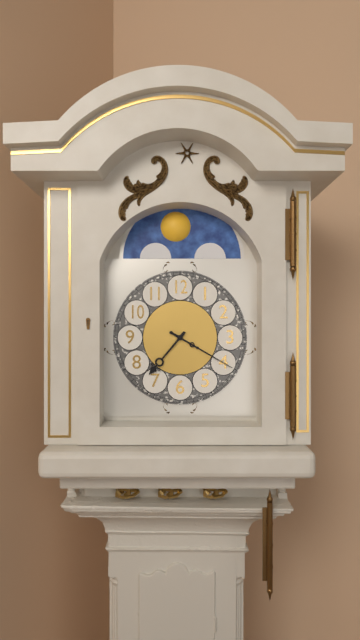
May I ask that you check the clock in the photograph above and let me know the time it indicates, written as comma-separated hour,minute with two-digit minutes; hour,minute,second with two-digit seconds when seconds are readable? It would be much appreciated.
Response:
7,20
